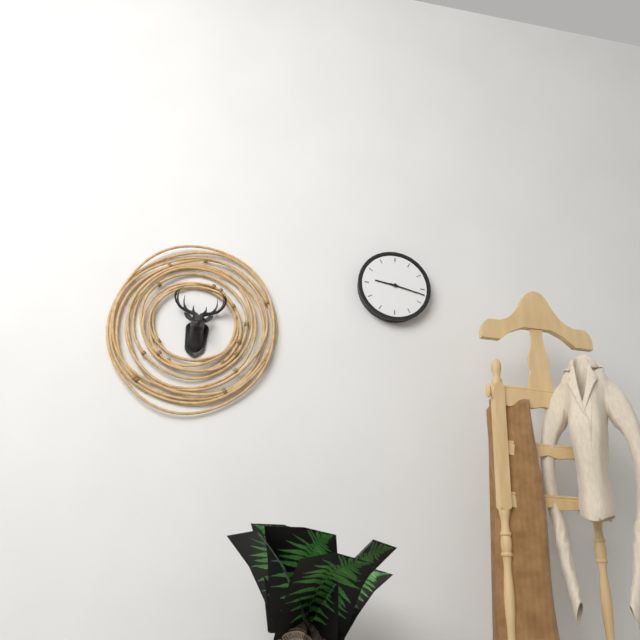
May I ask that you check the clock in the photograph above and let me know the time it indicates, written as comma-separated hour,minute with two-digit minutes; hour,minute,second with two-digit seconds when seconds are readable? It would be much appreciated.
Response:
9,17
